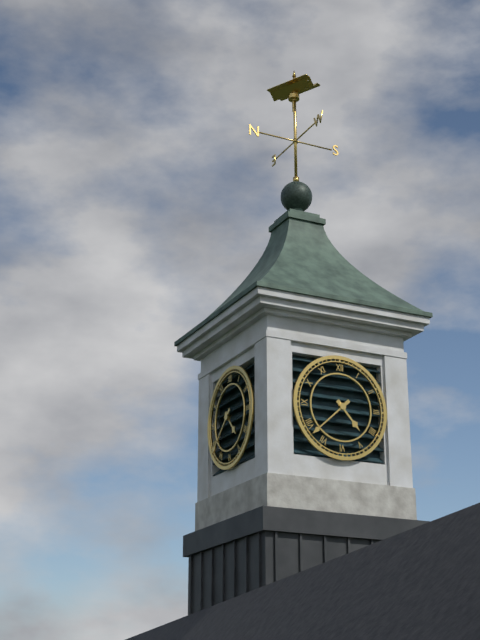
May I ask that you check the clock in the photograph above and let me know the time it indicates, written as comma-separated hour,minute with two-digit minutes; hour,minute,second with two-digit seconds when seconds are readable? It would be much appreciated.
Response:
4,38
